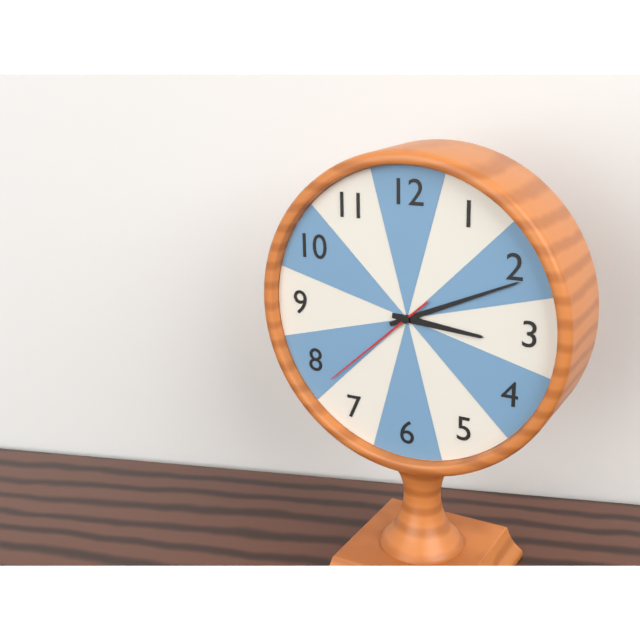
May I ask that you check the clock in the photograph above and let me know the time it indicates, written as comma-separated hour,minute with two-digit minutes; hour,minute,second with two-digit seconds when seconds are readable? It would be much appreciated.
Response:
3,11,38
